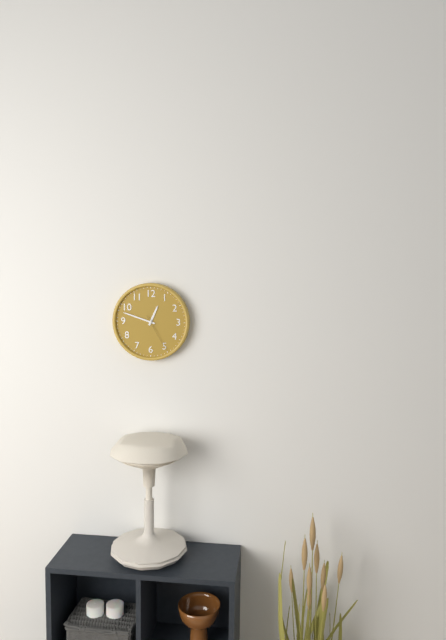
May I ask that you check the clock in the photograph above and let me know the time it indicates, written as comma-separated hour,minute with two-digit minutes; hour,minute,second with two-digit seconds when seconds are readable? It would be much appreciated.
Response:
12,48
